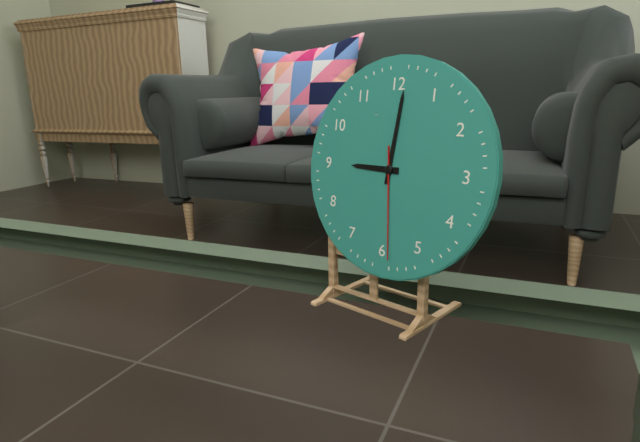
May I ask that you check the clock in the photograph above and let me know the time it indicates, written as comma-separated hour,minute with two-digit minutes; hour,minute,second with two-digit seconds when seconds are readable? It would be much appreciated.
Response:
9,01,29
